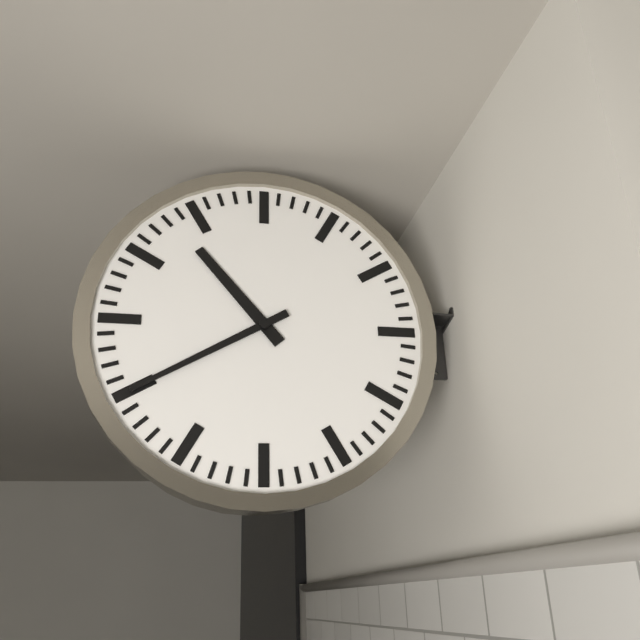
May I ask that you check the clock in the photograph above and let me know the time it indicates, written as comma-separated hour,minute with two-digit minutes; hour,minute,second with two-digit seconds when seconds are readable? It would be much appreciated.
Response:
10,40
